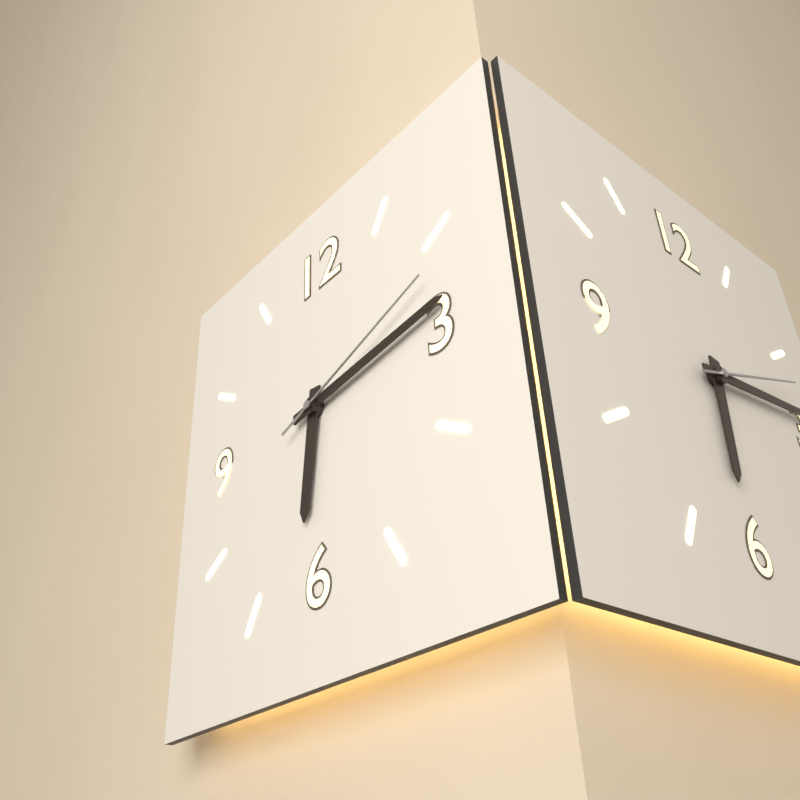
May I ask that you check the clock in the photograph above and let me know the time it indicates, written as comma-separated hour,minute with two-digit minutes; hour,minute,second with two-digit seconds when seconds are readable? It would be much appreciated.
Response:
6,14,12
